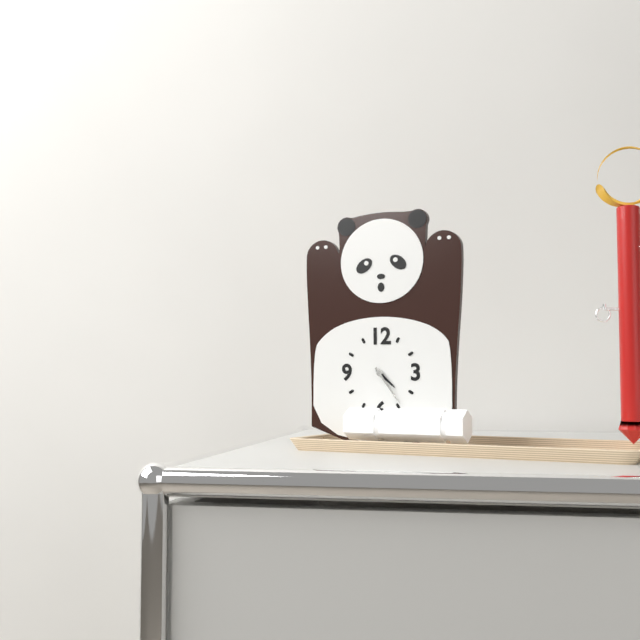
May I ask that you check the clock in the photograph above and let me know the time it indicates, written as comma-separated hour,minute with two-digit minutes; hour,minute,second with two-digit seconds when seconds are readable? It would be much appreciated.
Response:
4,24
